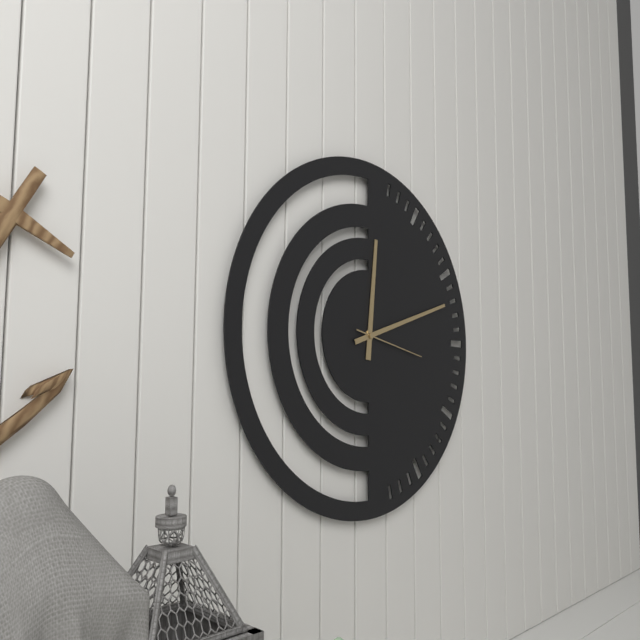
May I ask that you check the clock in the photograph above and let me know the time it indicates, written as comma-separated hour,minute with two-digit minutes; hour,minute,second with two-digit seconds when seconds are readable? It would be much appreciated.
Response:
12,12,17
